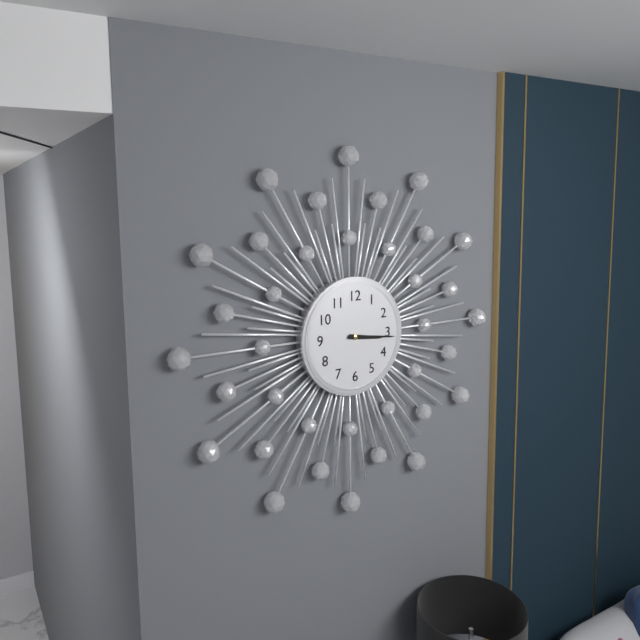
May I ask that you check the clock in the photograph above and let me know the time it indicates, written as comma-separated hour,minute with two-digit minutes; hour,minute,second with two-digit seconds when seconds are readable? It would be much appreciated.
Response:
3,16
